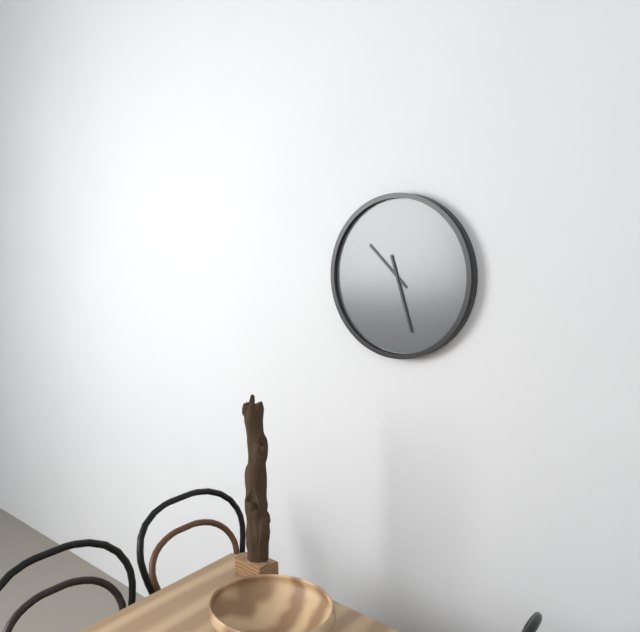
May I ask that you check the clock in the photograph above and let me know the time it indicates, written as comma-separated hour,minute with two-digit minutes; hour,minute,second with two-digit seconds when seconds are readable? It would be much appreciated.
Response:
10,27
